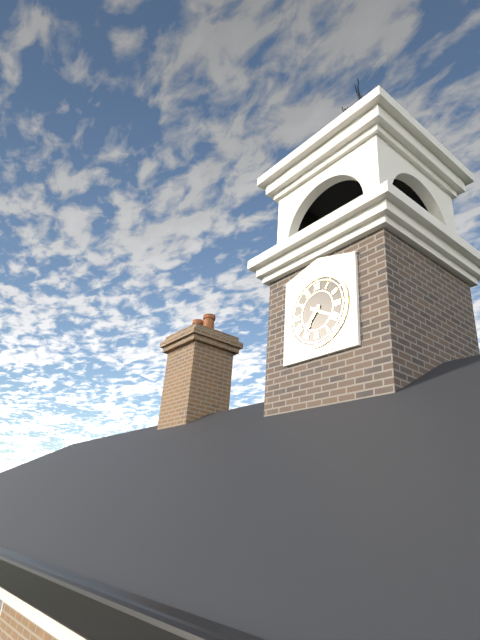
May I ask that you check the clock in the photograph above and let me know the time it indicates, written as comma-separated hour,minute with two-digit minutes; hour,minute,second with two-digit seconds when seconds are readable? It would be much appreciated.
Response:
7,20
